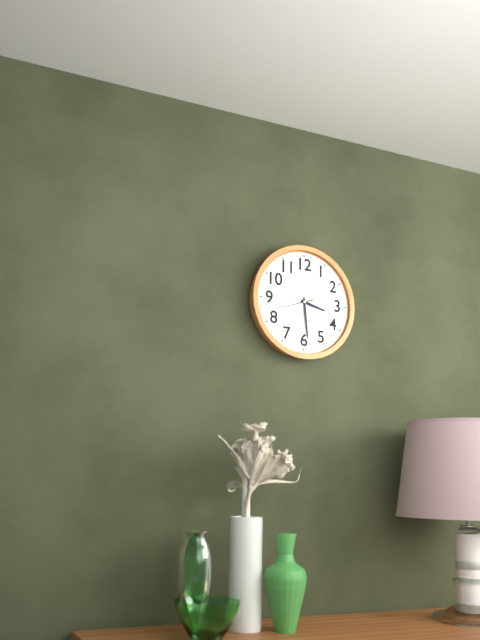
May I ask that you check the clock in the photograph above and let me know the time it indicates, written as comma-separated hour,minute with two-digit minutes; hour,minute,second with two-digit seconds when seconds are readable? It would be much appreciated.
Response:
3,29
